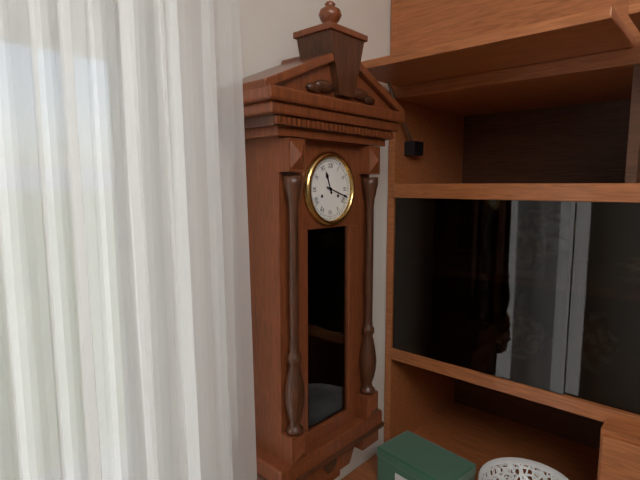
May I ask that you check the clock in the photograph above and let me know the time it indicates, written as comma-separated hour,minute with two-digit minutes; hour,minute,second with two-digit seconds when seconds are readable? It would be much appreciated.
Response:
11,18
